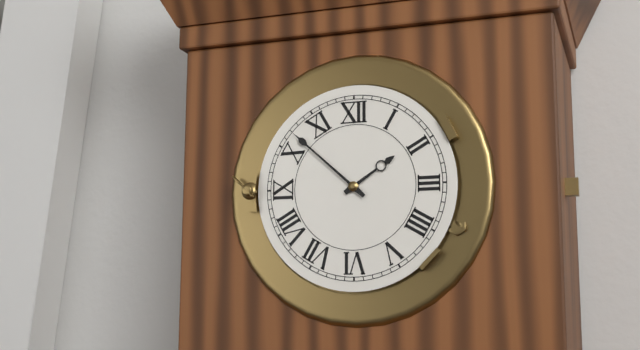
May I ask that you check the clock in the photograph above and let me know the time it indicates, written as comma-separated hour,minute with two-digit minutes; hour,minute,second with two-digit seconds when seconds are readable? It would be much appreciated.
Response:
1,52
